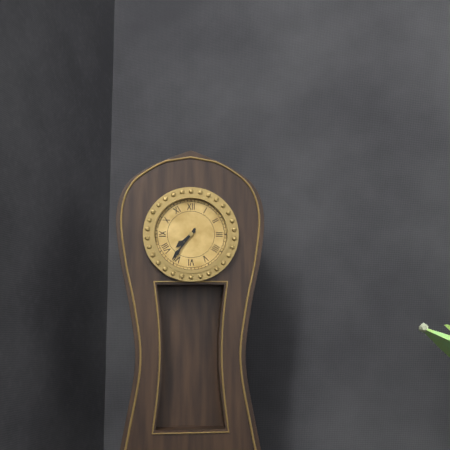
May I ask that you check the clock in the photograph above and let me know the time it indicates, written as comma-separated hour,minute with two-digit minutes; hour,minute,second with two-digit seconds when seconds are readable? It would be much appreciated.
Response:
7,36
